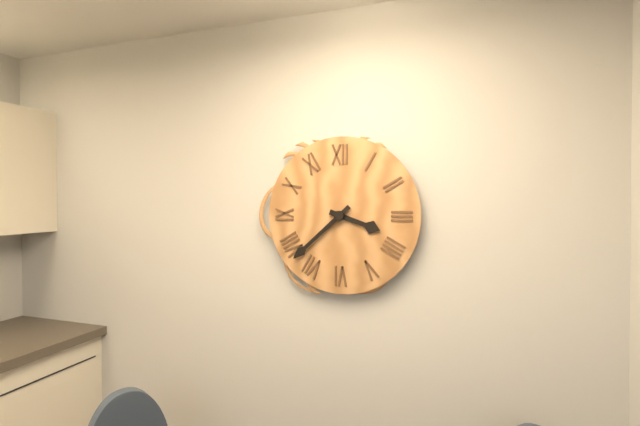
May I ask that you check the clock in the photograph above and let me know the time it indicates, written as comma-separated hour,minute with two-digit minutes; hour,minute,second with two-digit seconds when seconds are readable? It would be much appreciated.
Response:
3,38
